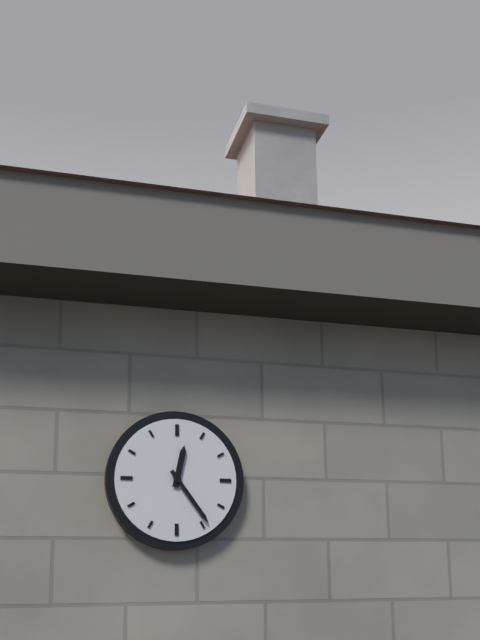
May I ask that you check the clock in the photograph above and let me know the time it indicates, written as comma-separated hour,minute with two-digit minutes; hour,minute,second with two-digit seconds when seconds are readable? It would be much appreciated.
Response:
12,24
